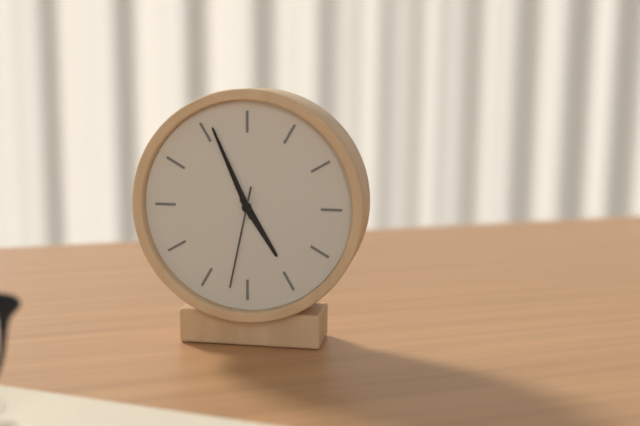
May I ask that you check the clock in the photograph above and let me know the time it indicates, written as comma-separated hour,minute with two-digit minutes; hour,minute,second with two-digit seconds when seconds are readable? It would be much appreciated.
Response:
4,56,32
